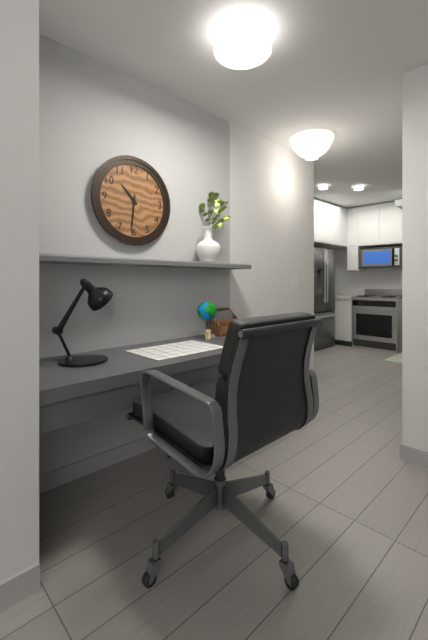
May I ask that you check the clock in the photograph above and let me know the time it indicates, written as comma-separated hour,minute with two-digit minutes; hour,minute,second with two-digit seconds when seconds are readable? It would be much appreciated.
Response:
10,31
